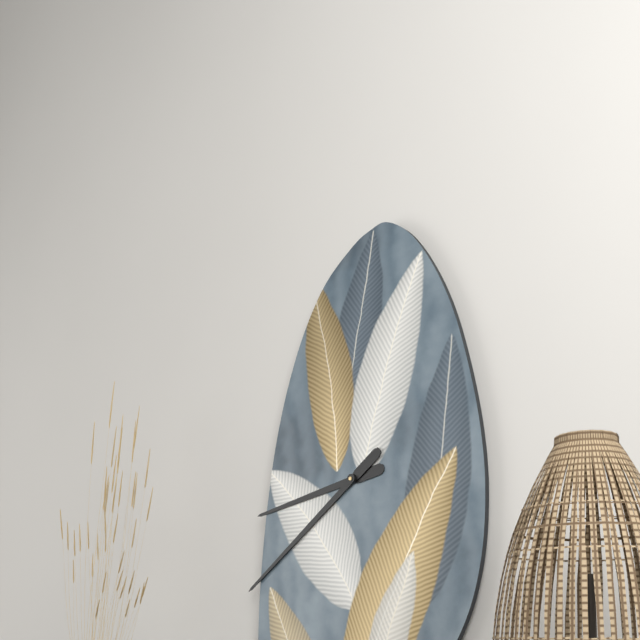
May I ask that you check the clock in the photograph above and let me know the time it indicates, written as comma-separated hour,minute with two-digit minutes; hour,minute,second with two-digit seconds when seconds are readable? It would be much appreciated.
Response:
8,39
